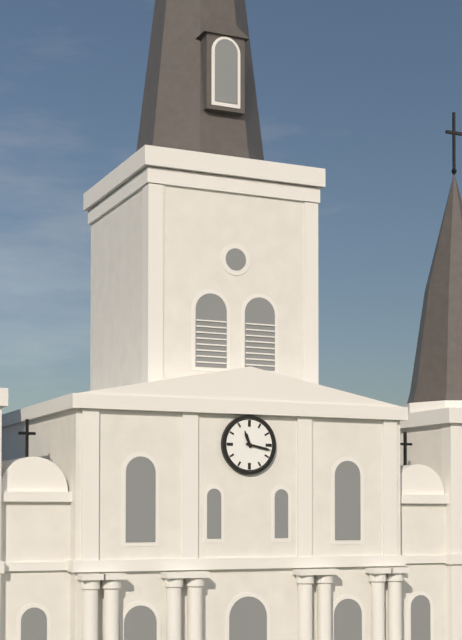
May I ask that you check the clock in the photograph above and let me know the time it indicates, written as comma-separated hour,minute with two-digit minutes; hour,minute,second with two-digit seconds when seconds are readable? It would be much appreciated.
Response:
11,17
